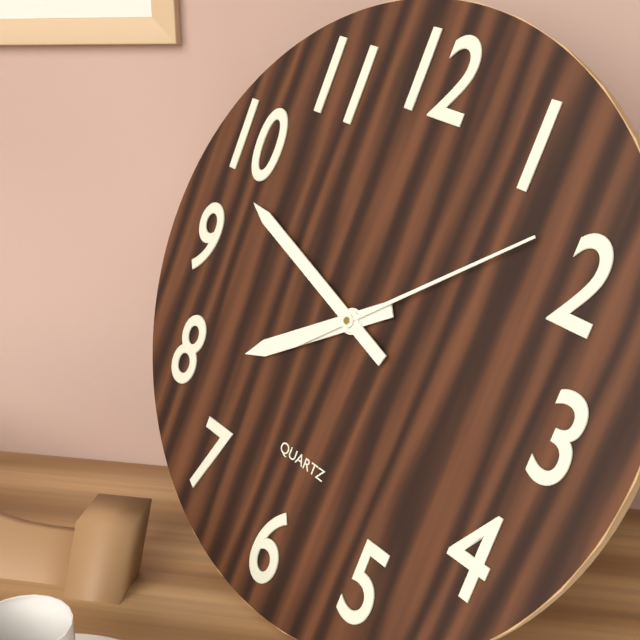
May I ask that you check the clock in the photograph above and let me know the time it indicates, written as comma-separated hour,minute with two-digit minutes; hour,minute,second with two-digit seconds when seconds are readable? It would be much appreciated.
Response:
7,48,08
